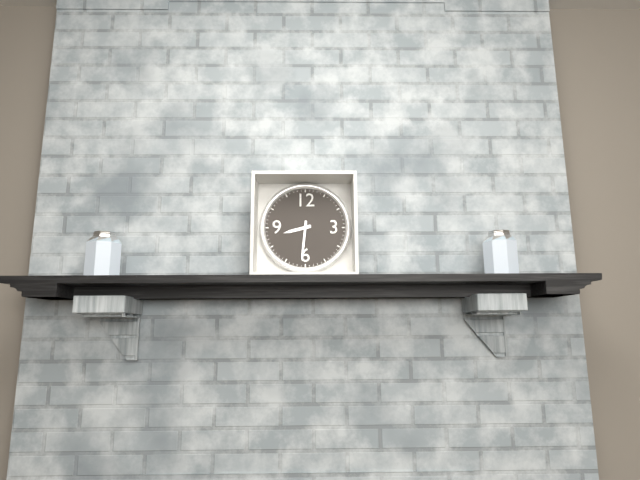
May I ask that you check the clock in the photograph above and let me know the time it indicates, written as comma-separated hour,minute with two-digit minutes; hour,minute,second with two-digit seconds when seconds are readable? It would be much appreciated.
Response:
8,31
